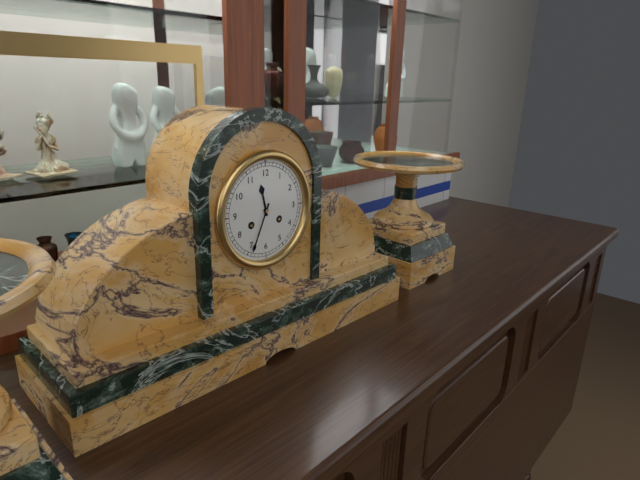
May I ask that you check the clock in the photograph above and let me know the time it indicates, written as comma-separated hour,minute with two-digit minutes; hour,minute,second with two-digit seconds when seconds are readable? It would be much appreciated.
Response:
11,34
